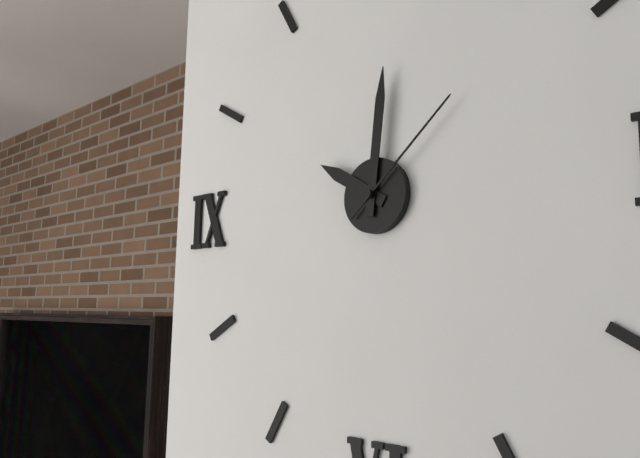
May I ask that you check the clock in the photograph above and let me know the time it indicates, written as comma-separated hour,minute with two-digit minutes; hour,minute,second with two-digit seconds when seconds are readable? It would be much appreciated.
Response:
10,01,08
